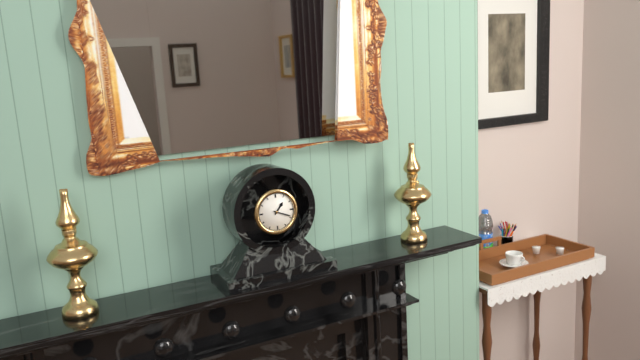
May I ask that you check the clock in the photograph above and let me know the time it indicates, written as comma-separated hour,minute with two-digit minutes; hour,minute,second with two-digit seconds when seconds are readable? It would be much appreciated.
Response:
1,19
